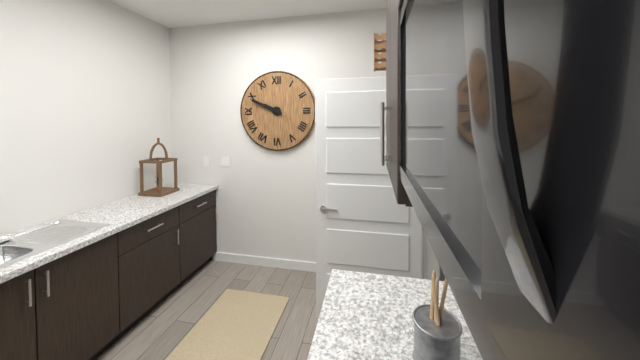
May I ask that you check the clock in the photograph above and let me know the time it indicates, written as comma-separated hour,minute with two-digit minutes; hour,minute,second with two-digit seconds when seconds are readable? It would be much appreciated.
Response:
9,49
